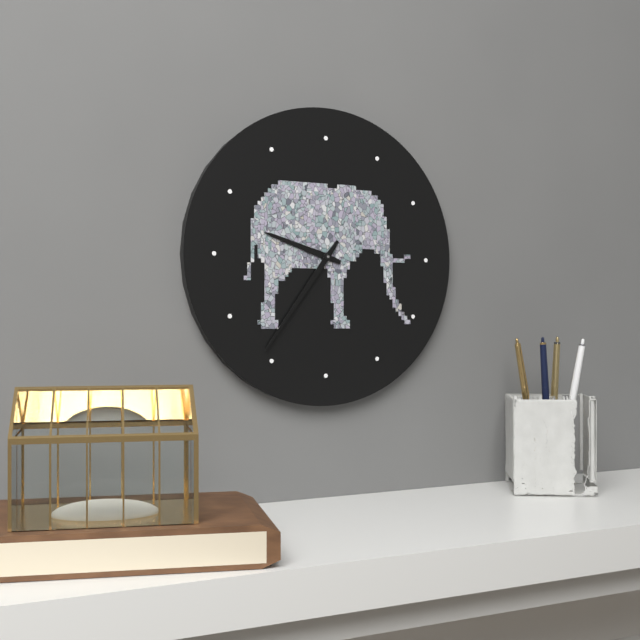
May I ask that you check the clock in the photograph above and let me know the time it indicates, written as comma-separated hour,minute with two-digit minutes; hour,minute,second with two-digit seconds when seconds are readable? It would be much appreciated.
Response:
9,36
